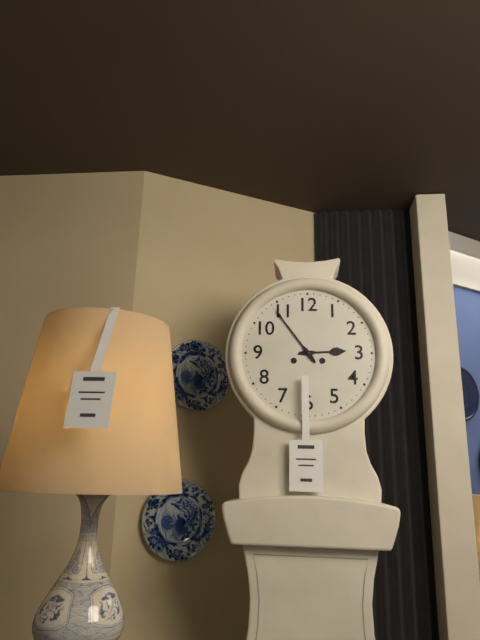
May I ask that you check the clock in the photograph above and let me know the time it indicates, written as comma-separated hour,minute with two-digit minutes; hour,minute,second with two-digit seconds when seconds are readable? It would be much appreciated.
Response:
2,54
